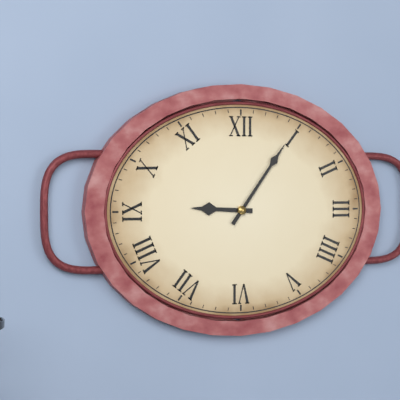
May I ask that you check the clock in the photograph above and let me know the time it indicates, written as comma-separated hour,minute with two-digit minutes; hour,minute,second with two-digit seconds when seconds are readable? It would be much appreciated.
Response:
9,06
